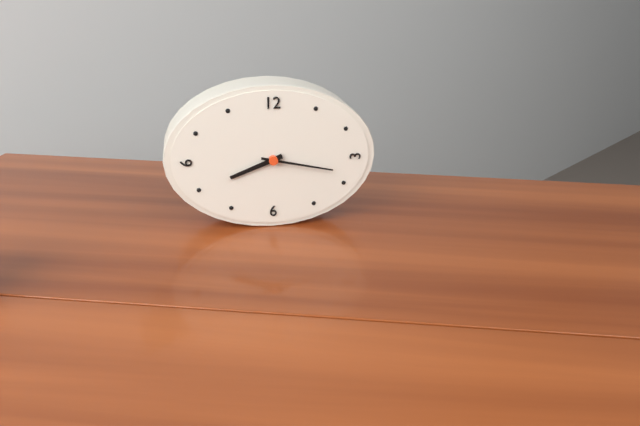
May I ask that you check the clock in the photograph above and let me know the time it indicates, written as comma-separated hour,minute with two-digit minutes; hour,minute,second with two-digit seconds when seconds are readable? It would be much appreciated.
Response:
8,17
